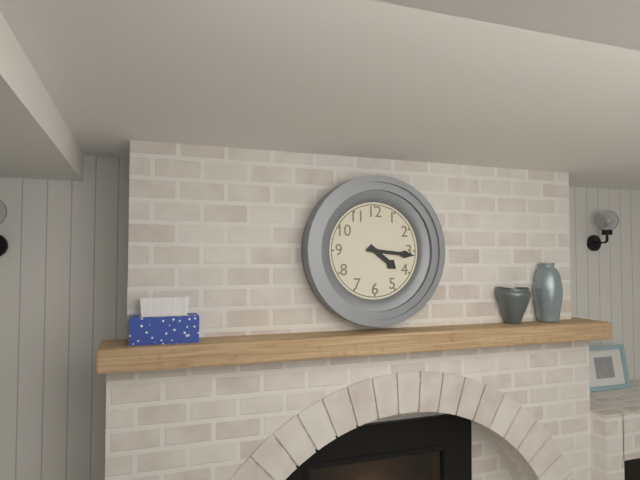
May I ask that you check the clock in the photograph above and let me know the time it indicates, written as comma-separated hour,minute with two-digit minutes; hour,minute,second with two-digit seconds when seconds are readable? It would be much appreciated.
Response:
4,16
